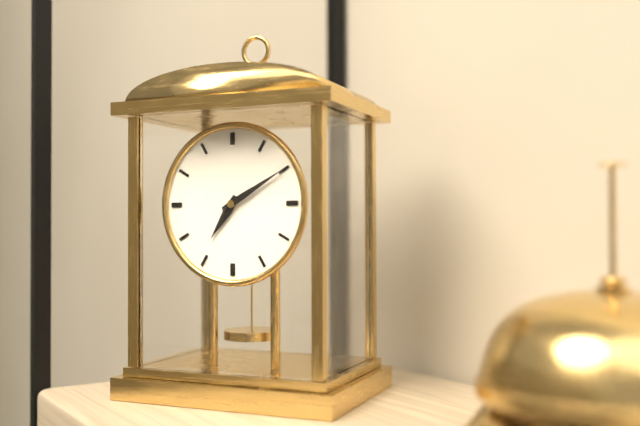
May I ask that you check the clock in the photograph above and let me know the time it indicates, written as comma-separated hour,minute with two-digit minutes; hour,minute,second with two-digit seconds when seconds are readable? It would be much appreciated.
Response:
7,10
